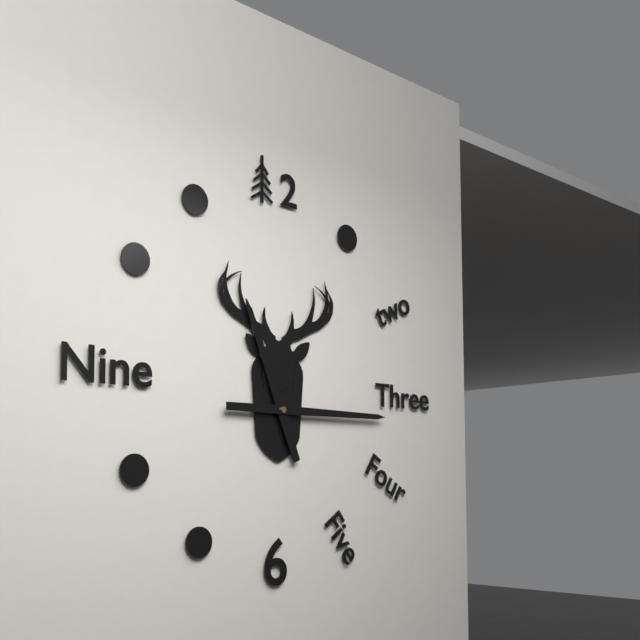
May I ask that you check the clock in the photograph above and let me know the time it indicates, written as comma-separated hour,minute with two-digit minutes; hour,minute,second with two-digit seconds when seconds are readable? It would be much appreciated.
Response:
11,15
